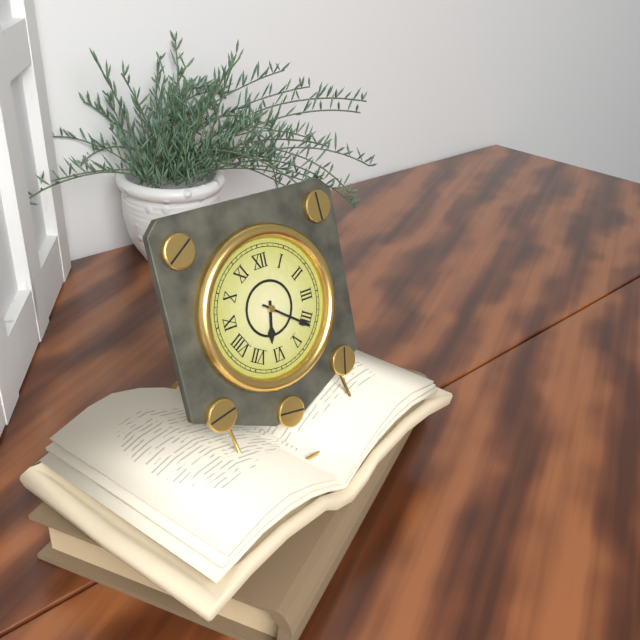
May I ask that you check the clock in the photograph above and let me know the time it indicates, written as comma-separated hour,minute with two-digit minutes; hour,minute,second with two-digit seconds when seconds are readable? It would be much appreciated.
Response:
6,21
